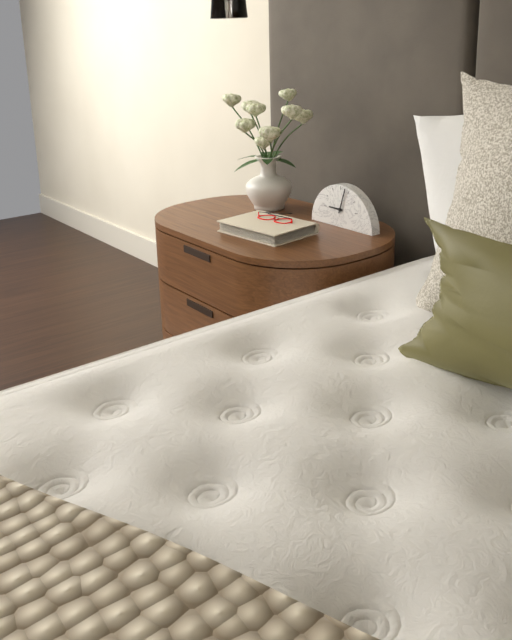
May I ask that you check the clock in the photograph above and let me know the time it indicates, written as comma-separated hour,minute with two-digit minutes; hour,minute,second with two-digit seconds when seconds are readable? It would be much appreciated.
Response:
9,03
